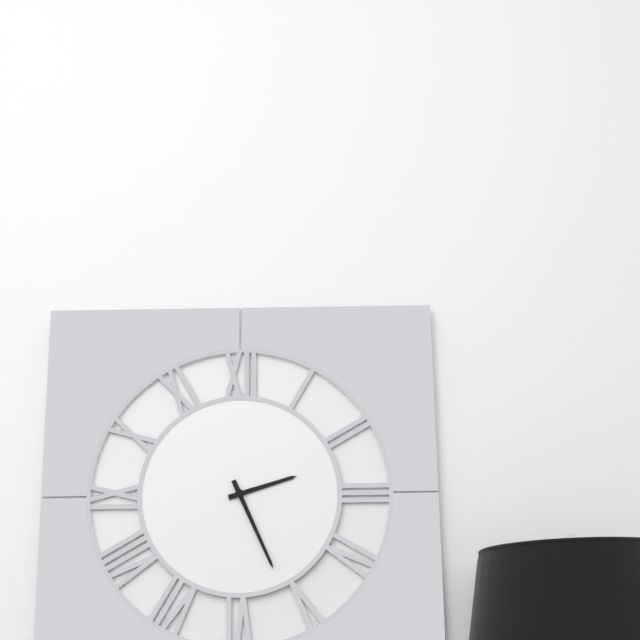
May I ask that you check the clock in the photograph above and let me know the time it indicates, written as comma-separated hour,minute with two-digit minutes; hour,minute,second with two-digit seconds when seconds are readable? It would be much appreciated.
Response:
2,26
